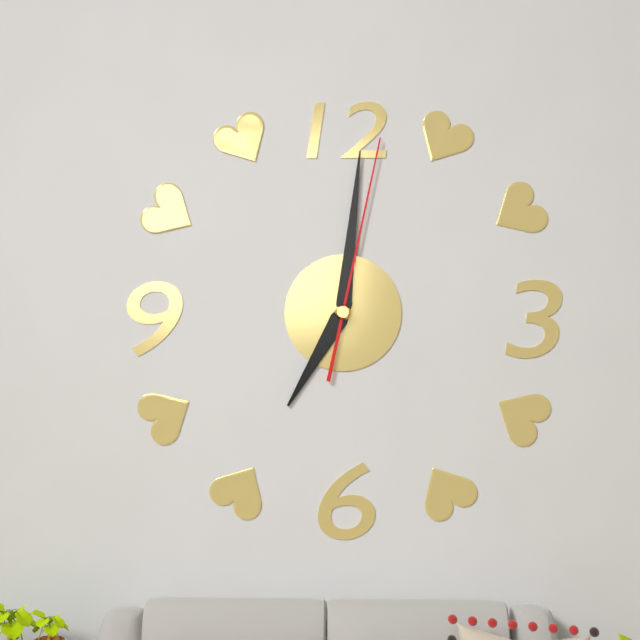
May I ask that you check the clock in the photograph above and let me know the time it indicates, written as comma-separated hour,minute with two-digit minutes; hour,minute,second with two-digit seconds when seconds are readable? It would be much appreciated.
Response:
7,01,02
